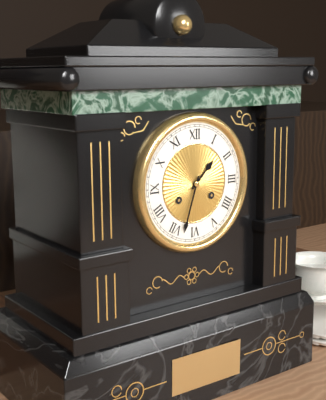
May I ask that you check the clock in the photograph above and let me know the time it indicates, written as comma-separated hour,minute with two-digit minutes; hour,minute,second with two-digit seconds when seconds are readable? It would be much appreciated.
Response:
1,33
